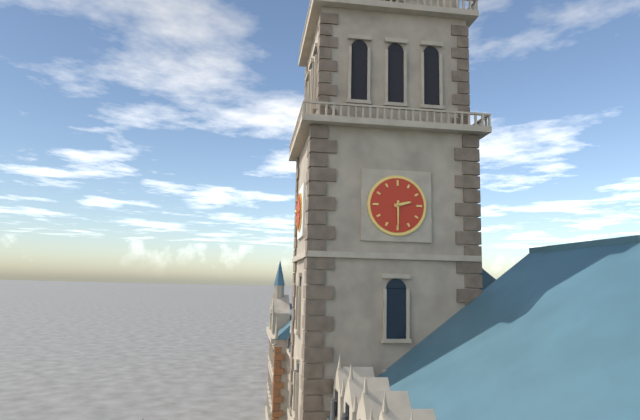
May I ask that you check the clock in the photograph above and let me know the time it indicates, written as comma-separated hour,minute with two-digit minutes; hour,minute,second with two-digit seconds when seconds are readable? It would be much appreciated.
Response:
2,30
